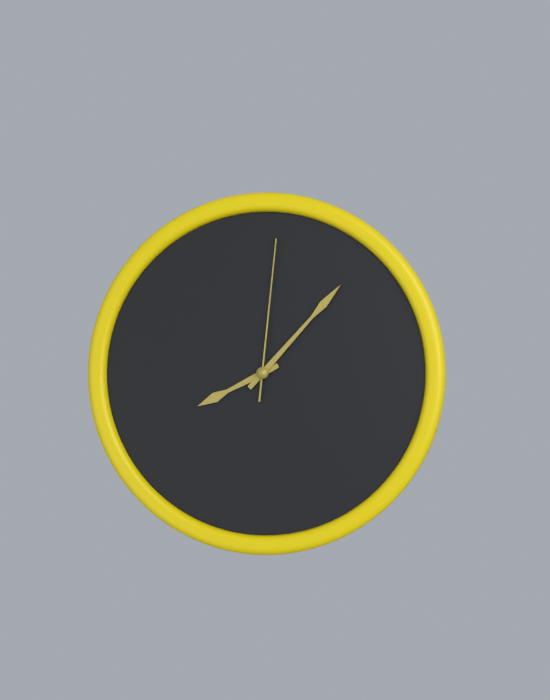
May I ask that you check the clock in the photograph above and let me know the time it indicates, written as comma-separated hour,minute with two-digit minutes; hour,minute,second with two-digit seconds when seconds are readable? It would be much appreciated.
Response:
8,07,01
